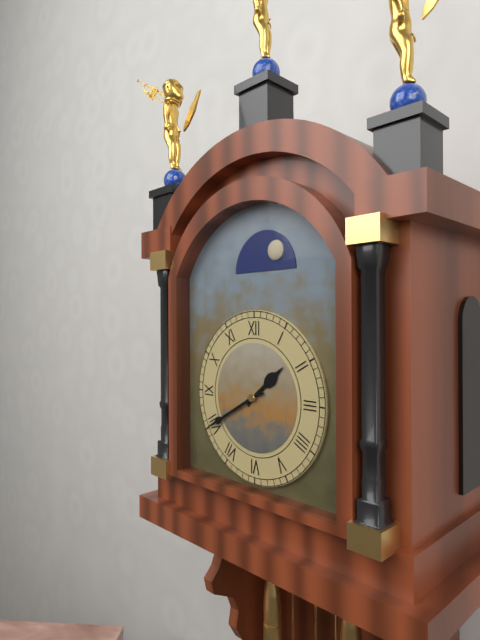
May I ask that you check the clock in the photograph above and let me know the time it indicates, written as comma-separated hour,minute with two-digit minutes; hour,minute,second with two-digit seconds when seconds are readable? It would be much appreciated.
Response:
1,40
